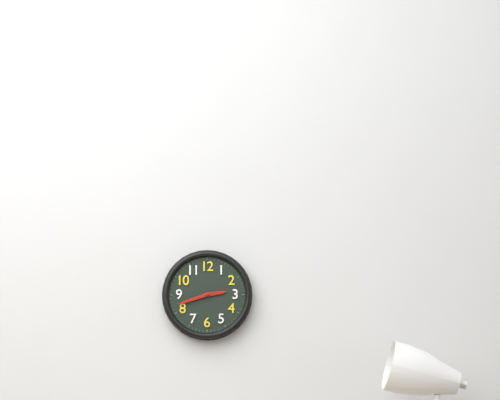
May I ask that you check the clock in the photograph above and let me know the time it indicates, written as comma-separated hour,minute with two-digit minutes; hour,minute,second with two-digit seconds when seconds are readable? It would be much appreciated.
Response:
2,42
